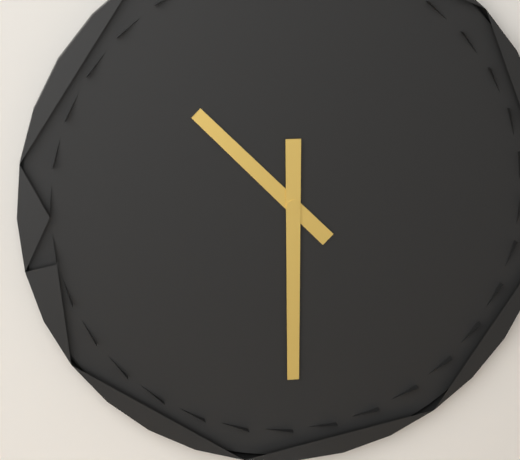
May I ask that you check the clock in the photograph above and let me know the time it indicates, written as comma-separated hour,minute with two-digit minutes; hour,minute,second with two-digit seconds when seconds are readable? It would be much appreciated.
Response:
10,30
